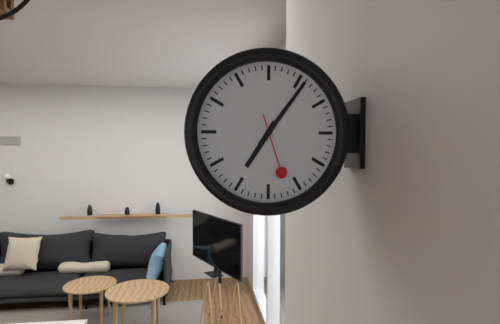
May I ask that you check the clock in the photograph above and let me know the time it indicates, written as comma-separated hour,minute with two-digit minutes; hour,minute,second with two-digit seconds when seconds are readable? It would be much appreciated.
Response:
7,06,27
